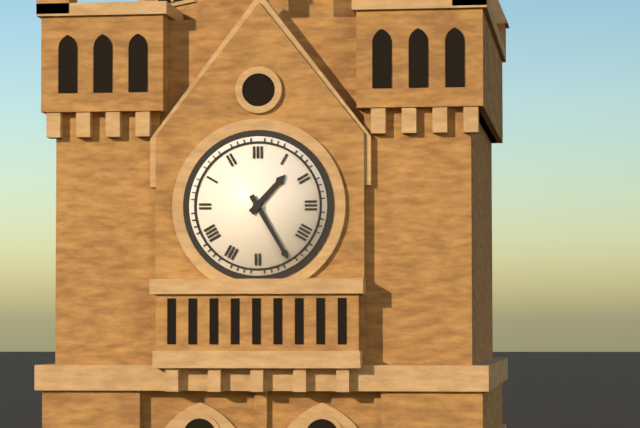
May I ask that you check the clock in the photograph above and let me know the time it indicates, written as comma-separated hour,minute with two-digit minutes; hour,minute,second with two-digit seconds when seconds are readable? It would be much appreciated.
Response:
1,25
